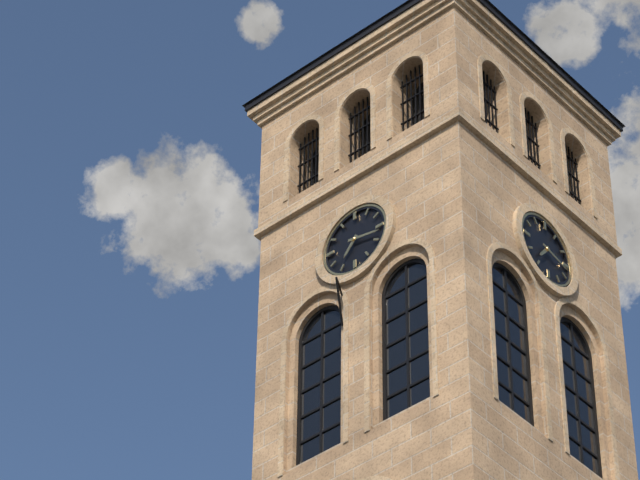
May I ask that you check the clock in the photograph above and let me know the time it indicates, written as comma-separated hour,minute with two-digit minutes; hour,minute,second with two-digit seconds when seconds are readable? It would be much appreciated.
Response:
7,17
